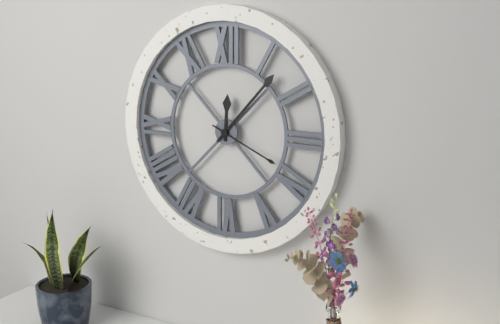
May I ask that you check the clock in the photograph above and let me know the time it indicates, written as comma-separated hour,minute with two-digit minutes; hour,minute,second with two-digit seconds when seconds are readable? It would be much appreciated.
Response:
12,07,19
